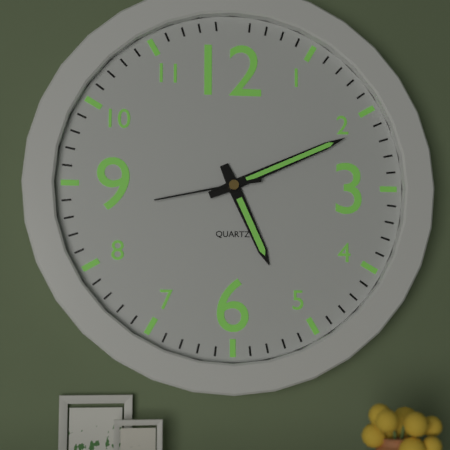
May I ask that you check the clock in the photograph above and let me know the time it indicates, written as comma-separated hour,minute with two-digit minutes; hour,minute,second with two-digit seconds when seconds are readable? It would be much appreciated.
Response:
5,11,43
